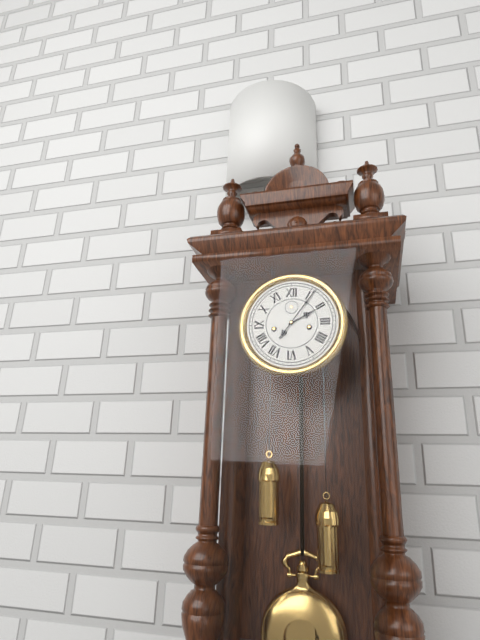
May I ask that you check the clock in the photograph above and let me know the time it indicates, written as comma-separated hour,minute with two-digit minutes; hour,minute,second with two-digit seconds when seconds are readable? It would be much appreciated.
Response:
2,06
